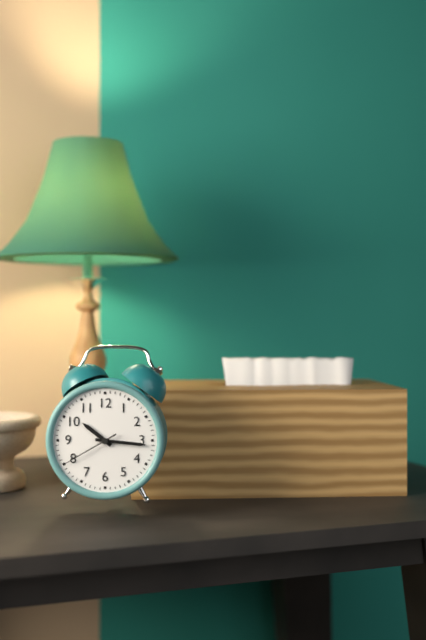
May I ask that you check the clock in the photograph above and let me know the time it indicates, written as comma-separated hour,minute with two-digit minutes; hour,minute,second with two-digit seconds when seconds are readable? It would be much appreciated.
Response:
10,16,40
